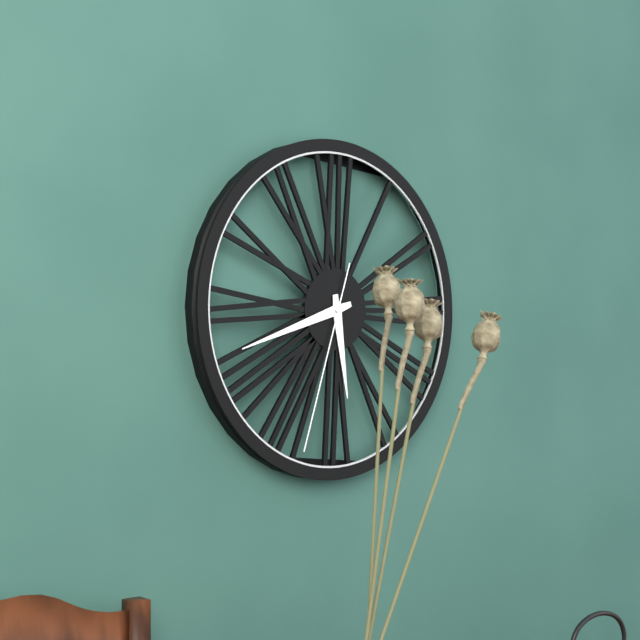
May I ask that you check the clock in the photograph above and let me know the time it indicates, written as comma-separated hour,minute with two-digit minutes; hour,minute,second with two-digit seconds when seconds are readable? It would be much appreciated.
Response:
5,42,33
